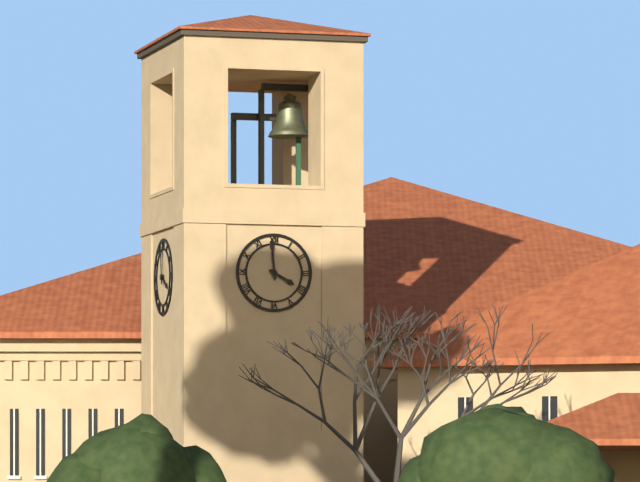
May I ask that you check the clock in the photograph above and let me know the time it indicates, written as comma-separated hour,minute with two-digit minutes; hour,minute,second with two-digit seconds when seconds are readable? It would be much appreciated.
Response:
3,59
